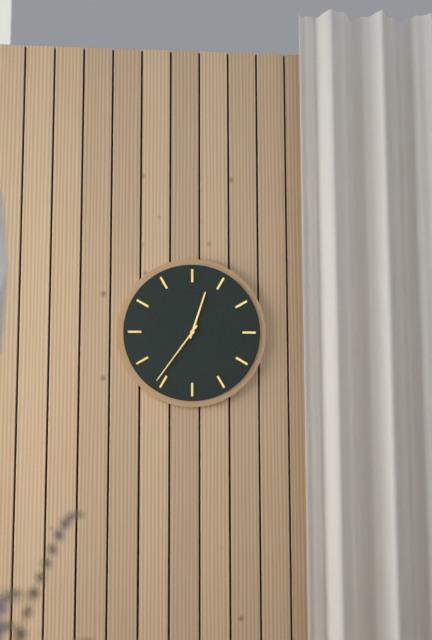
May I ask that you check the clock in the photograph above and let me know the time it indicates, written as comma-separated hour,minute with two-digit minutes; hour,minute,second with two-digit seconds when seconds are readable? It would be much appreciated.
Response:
12,36
